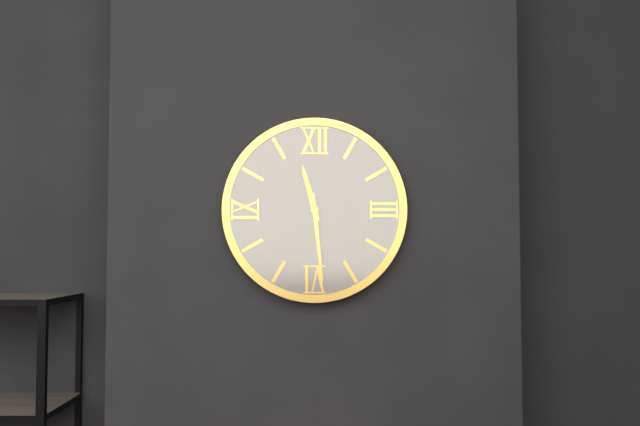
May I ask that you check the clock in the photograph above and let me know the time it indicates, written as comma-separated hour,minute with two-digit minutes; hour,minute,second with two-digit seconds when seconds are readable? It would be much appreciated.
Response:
11,29
